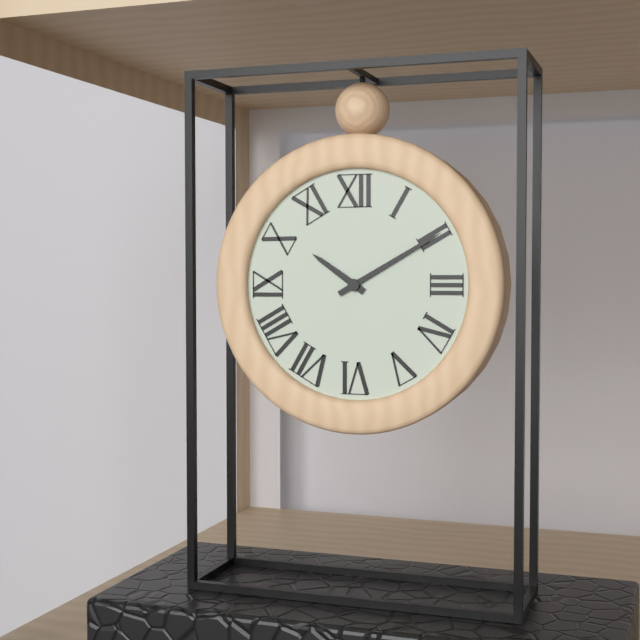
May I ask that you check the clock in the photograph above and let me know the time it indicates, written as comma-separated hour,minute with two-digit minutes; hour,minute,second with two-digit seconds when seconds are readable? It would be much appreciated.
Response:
10,10
